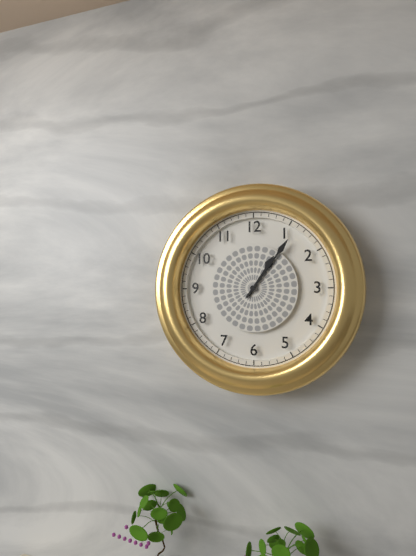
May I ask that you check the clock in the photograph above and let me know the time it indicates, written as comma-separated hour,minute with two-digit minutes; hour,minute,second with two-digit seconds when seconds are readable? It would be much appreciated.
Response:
1,06
